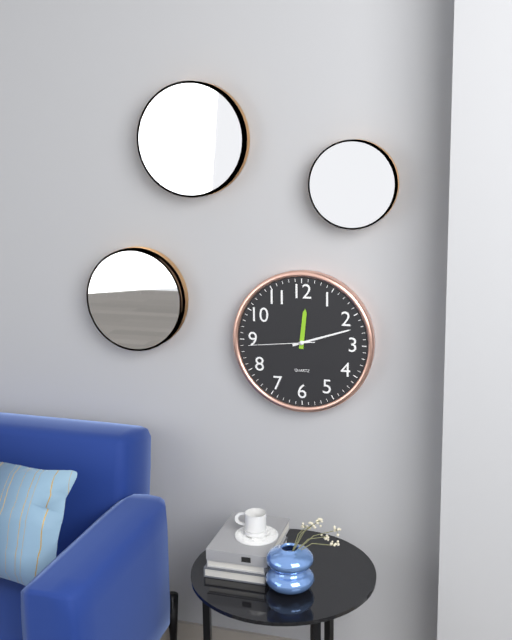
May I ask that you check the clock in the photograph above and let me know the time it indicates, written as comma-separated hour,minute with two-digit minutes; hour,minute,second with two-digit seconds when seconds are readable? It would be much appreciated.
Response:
12,12,44
